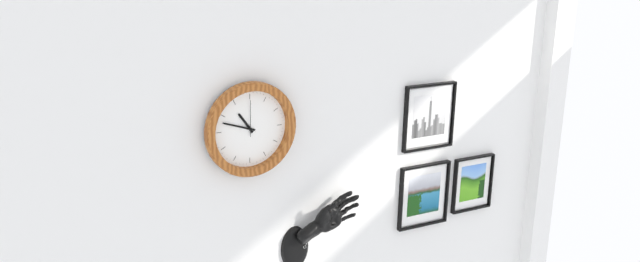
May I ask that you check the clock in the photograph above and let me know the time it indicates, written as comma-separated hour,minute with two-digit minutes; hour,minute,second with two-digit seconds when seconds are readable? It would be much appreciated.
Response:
10,48
